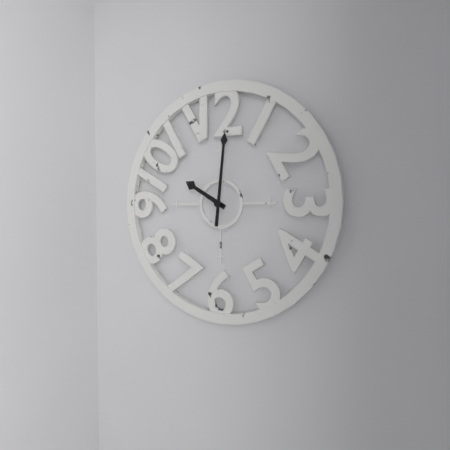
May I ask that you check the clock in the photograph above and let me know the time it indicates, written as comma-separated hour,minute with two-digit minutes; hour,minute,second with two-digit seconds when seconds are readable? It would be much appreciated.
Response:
10,01
